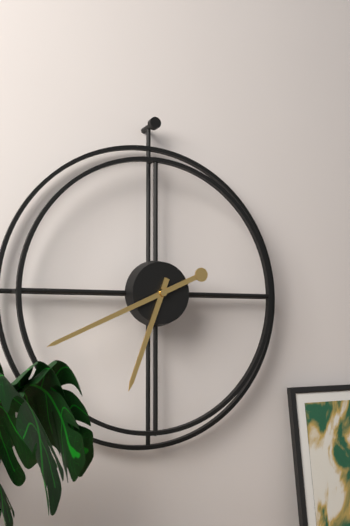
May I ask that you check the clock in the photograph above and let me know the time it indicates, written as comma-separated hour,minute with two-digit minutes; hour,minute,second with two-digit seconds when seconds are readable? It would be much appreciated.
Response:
6,41
